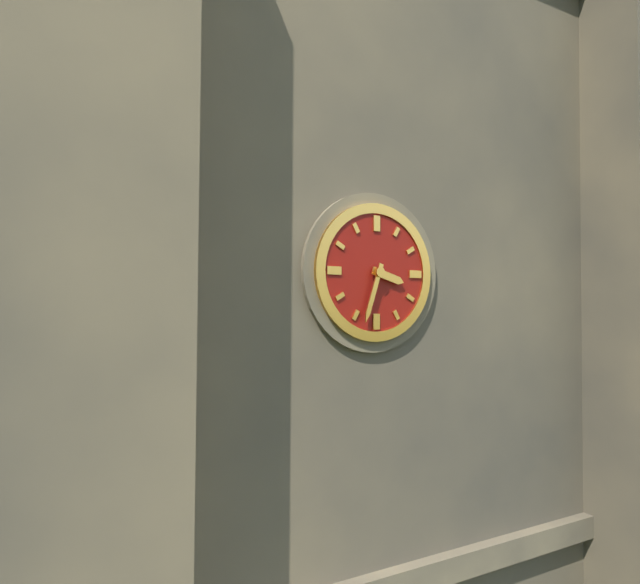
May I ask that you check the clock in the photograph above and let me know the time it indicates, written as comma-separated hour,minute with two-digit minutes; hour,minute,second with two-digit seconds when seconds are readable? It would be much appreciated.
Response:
3,33
